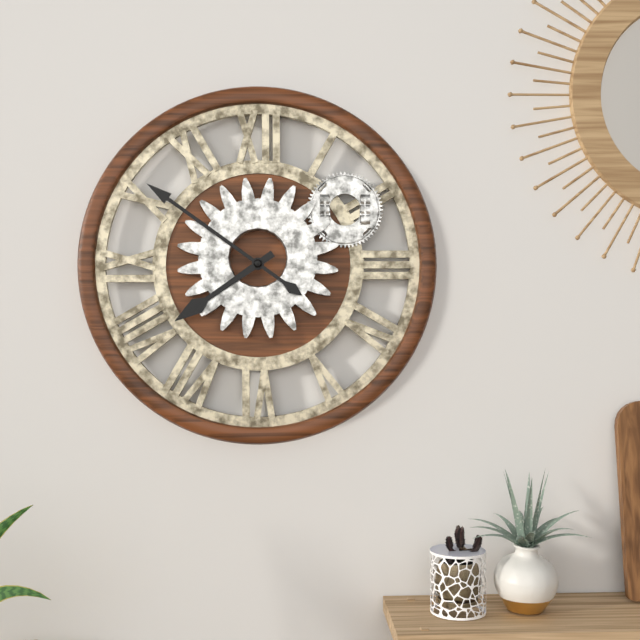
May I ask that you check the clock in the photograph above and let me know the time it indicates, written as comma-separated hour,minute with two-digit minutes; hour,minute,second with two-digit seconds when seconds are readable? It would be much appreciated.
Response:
7,51
